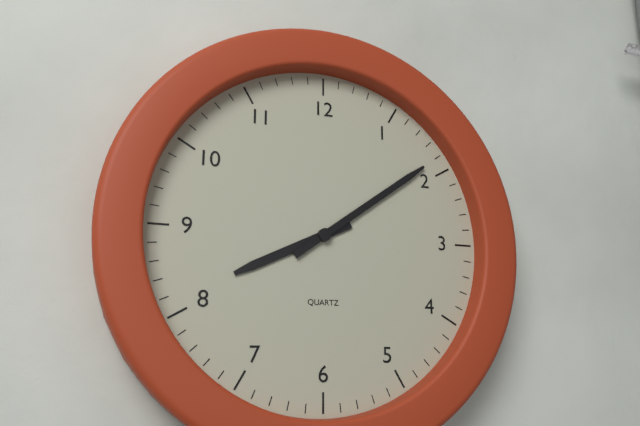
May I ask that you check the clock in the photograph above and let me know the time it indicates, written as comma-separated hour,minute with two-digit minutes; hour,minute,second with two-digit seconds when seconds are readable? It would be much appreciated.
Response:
8,09
